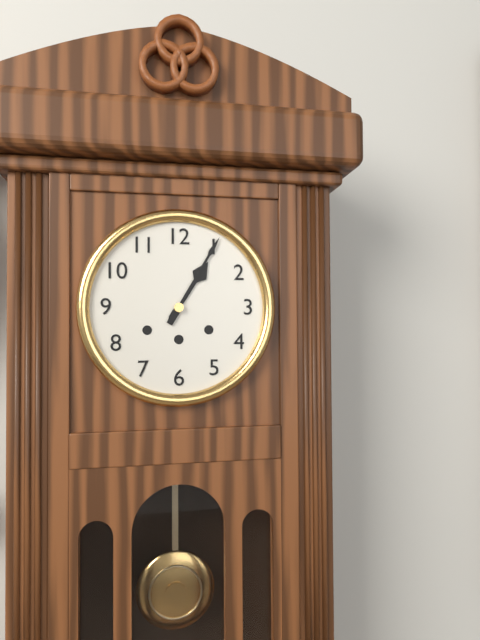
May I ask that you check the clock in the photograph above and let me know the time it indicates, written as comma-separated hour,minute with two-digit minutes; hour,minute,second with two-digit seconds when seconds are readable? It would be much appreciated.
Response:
1,05
